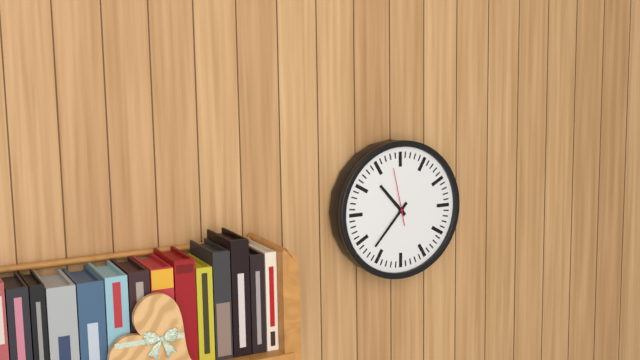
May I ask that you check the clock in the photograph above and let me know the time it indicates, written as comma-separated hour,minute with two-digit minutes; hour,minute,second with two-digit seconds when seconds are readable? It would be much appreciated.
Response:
10,37,58
